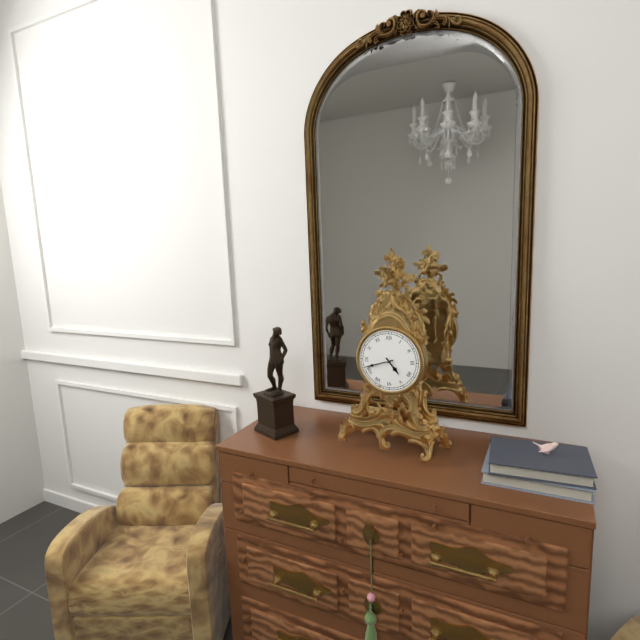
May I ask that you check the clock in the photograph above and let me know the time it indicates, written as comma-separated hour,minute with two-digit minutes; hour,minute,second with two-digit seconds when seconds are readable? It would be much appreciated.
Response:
4,42
